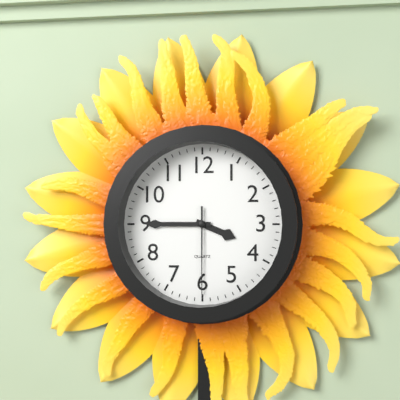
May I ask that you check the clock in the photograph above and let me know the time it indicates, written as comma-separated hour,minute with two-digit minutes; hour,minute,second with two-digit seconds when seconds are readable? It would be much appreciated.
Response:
3,45,30
